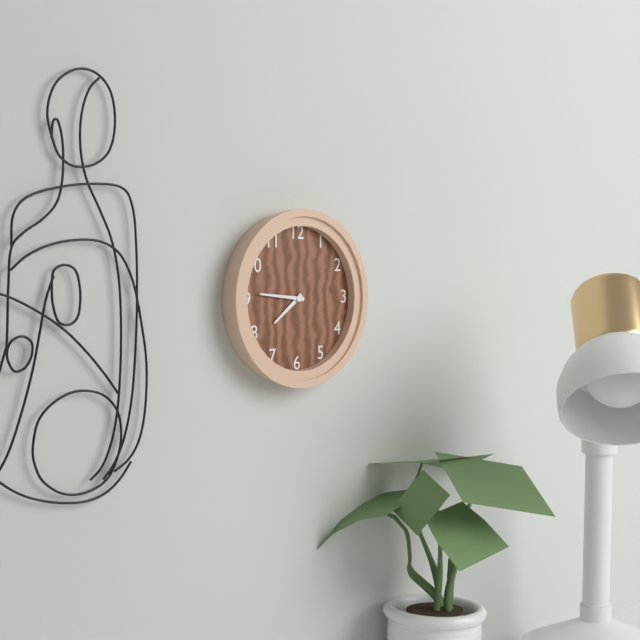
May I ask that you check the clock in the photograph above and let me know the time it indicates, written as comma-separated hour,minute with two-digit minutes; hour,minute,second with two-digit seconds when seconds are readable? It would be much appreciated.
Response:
7,46
